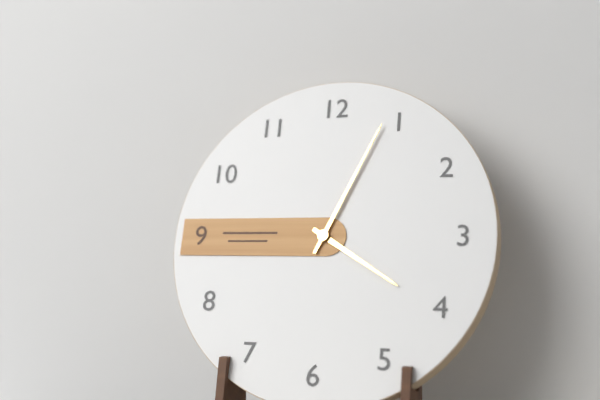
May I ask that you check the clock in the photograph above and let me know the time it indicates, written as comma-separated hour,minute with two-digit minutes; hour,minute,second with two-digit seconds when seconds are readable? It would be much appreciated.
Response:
4,04
